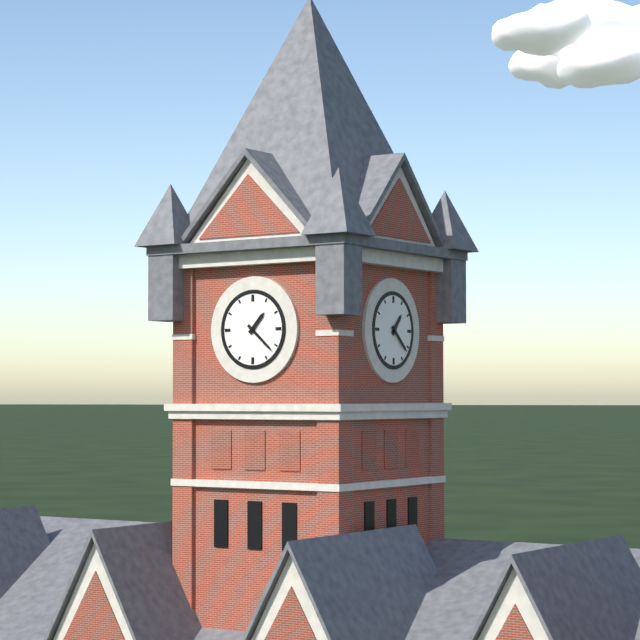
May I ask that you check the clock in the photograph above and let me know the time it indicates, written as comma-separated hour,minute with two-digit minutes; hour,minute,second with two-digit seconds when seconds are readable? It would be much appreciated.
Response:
1,22
